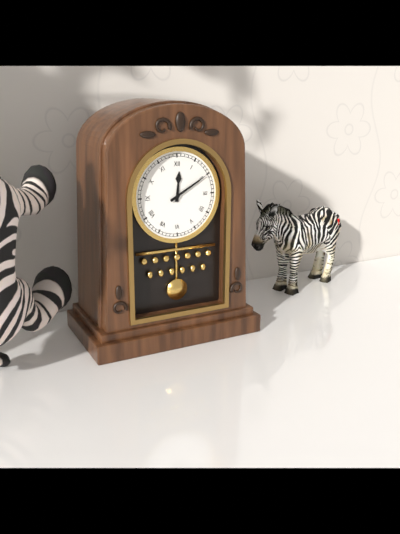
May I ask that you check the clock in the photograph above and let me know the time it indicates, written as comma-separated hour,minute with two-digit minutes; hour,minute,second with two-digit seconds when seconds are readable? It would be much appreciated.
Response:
12,10
